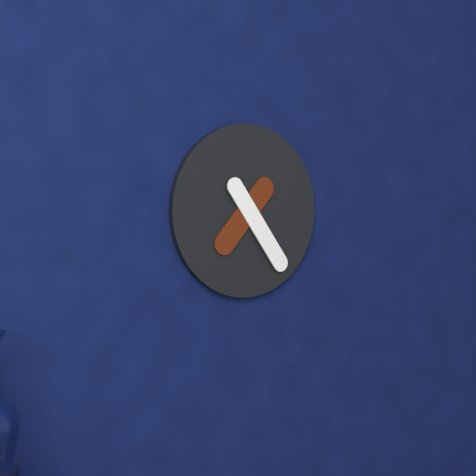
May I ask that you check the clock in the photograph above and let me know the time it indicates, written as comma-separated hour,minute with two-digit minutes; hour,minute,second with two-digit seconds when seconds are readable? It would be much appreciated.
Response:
7,24
